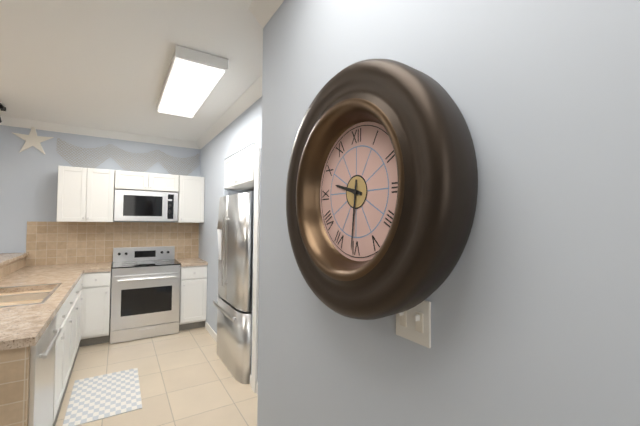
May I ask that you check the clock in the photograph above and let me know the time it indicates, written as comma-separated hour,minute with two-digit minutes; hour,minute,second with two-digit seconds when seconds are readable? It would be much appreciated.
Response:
9,31
